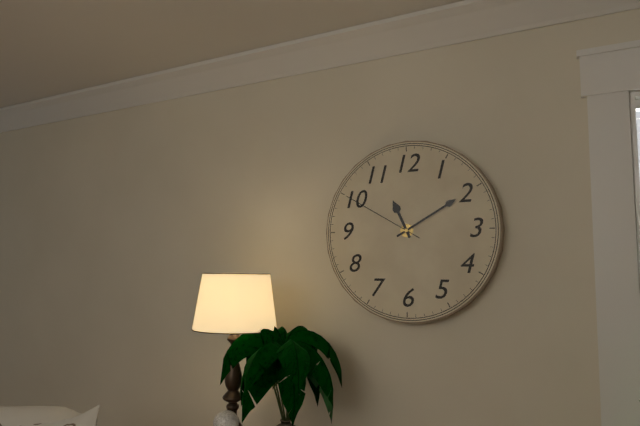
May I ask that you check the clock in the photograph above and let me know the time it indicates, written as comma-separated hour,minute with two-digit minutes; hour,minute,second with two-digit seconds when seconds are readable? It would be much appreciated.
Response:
11,10,50
